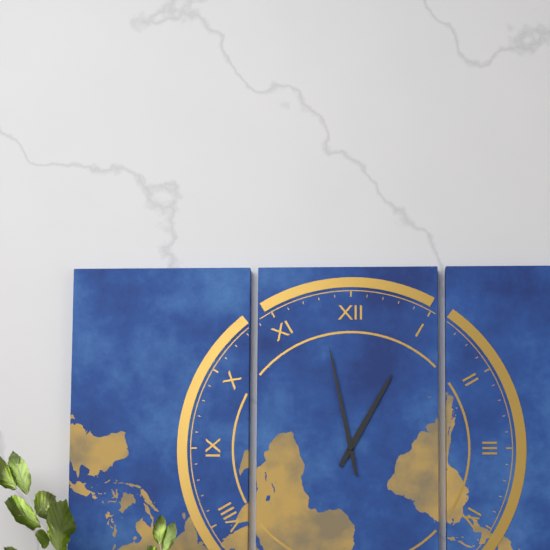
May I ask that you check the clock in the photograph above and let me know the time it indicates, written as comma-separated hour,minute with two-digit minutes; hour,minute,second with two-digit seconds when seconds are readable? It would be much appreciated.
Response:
12,58
